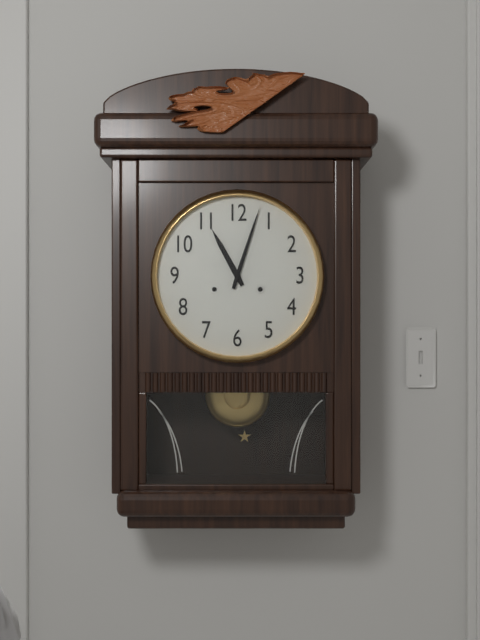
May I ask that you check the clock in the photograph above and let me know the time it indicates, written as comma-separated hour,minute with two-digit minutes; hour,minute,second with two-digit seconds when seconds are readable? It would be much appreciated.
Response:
11,03
